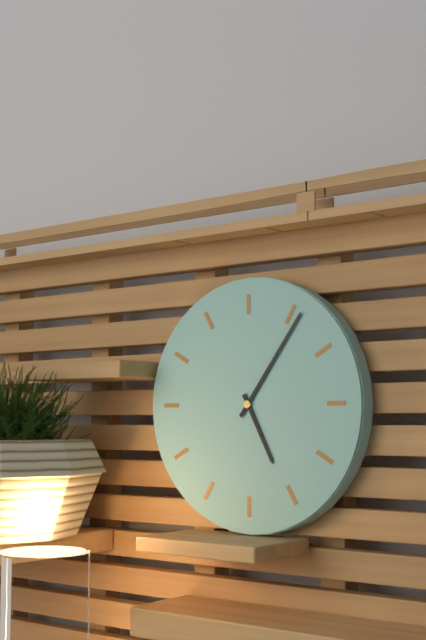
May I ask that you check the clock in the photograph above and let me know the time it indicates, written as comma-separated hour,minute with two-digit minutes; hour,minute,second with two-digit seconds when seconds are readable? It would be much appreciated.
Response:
5,06
